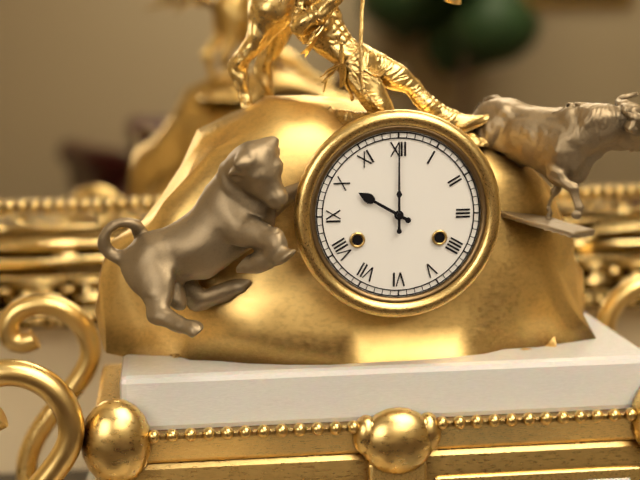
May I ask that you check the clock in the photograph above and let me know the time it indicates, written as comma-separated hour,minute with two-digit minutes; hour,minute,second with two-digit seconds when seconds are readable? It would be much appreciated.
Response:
10,00
